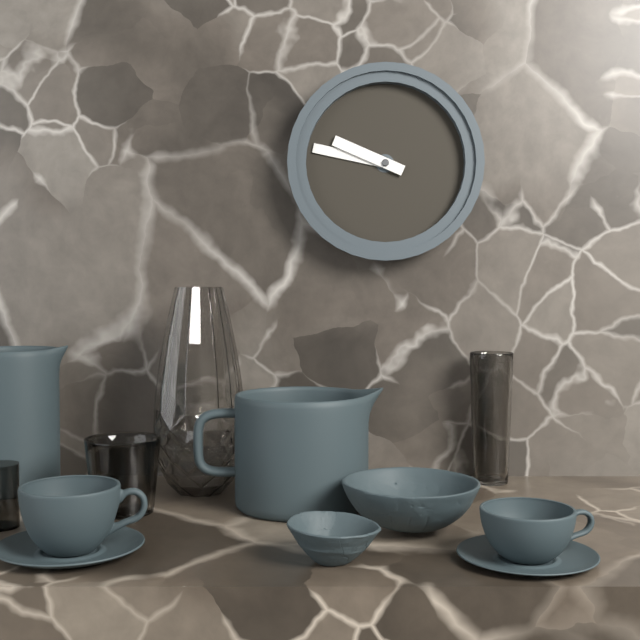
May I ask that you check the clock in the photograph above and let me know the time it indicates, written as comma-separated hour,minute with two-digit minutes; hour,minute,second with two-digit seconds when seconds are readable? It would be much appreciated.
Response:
9,47
